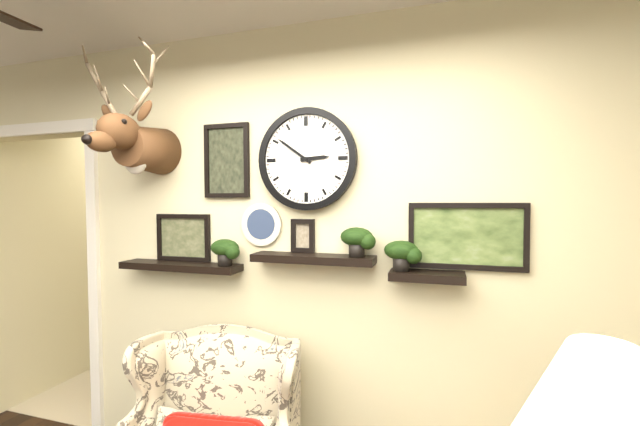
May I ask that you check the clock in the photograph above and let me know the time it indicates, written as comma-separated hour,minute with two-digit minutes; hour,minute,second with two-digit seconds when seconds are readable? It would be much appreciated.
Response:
2,51
